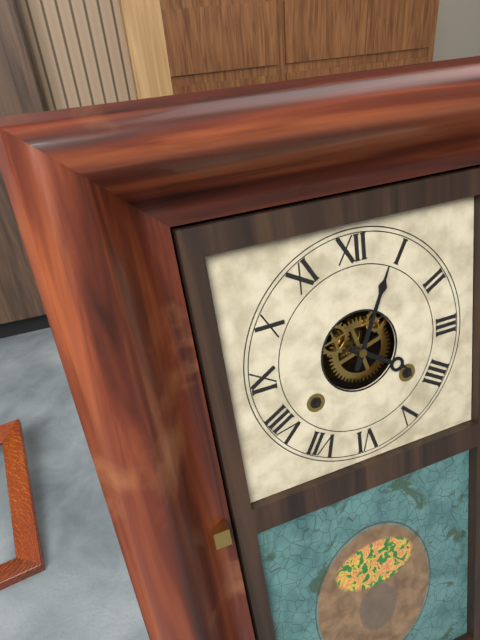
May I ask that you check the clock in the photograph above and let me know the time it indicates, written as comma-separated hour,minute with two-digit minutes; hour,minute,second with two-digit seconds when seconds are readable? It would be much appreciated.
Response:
4,04
